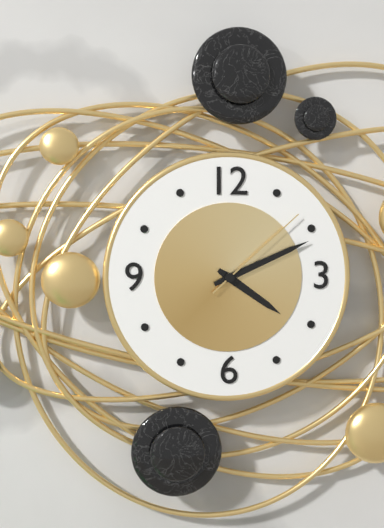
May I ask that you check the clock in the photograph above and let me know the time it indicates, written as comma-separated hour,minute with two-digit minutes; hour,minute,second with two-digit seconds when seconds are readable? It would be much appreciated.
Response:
4,11,08
